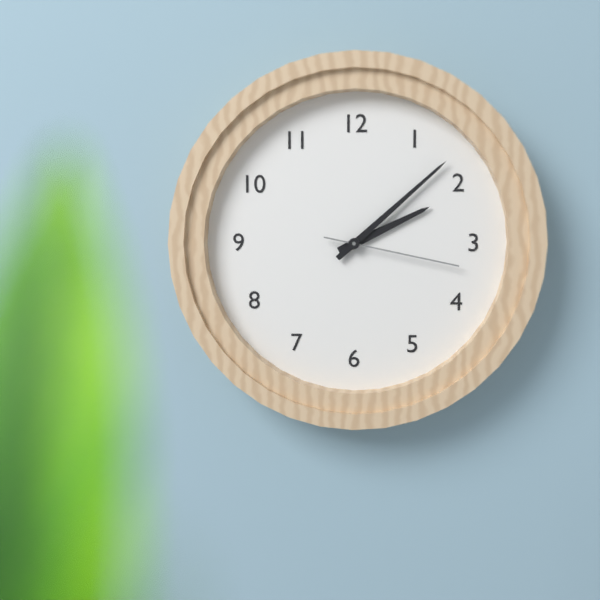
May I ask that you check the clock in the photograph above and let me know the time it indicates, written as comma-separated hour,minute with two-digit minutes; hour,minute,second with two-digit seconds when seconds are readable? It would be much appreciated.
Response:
2,08,17
